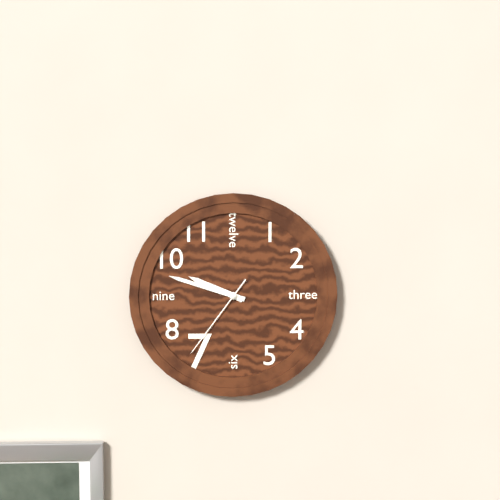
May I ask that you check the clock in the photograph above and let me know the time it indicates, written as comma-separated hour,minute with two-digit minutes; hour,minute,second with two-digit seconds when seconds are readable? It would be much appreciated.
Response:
9,48,36
